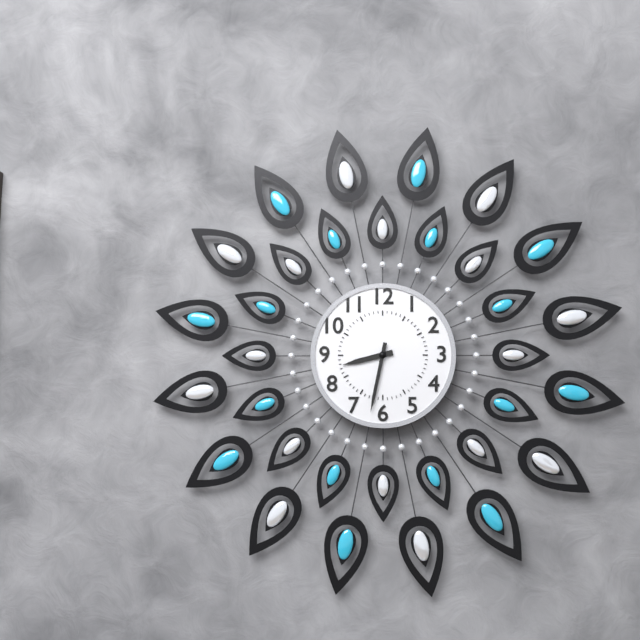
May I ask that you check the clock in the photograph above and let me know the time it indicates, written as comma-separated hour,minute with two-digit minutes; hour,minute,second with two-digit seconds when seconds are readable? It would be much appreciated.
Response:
8,32
